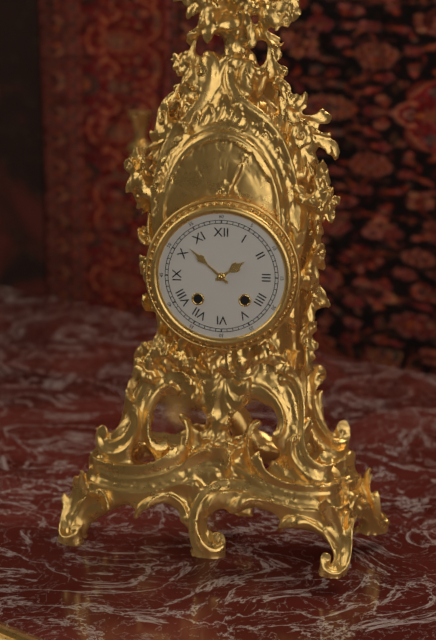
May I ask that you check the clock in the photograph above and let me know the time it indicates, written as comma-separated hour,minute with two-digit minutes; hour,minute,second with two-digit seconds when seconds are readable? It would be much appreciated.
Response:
1,52
